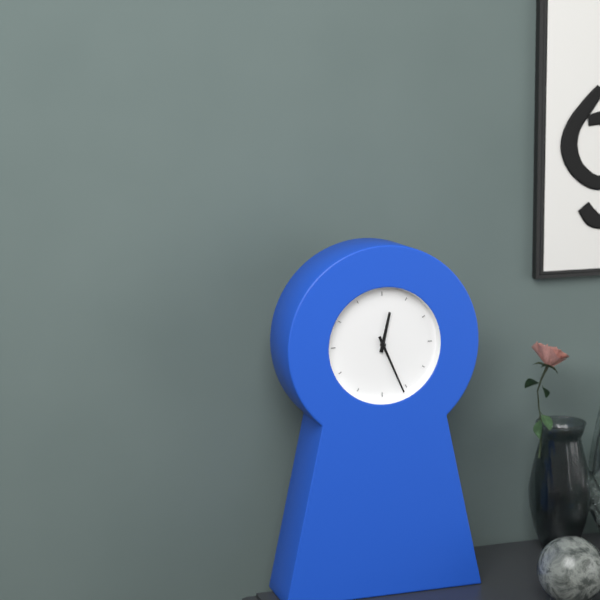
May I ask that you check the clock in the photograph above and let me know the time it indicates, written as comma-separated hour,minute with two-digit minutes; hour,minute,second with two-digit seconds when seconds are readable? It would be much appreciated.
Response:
12,26
